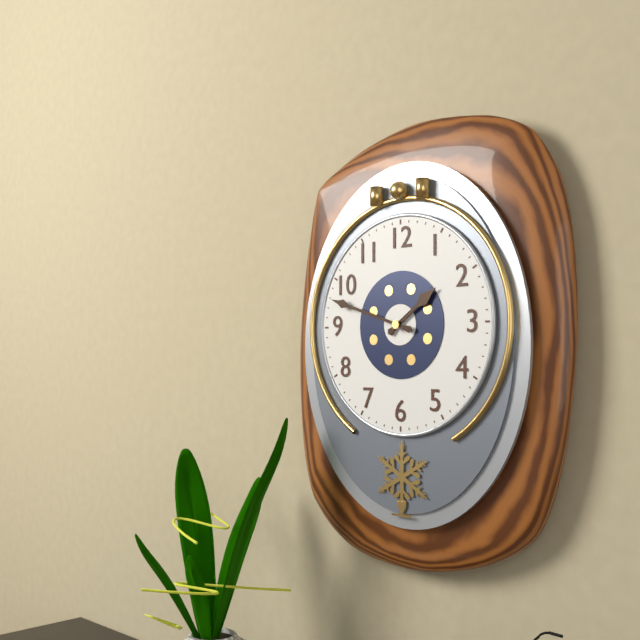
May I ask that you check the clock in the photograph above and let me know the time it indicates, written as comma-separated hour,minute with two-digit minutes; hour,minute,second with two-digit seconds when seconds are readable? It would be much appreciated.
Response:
1,48
